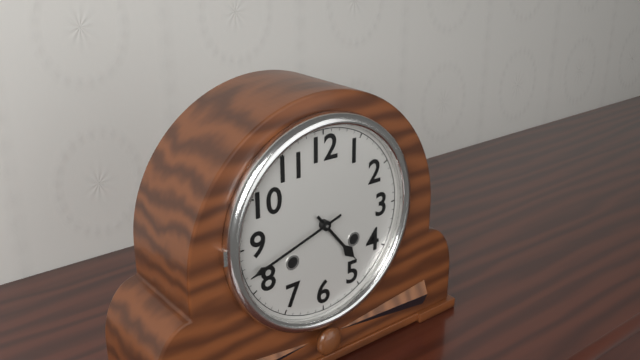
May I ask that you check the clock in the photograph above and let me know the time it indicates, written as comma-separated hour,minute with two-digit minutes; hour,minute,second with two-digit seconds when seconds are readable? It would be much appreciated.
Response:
4,42
